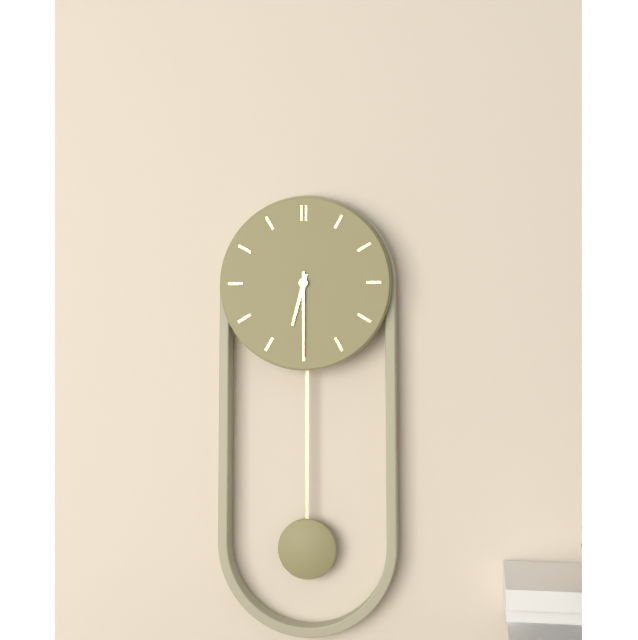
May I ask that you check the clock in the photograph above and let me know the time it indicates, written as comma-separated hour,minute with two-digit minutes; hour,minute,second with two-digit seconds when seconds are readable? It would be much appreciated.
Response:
6,30
